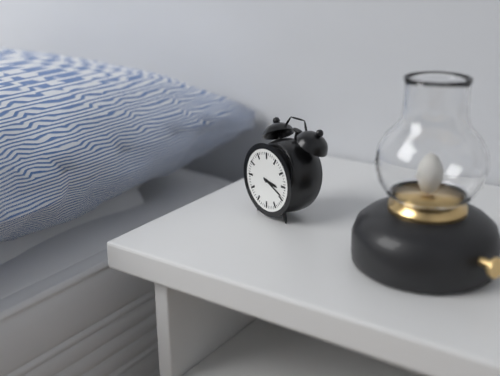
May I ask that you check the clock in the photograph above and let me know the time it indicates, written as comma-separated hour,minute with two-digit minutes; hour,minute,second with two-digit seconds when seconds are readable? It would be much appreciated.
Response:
3,19
